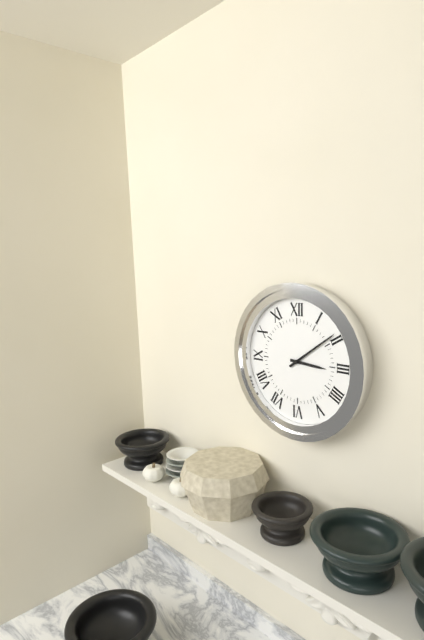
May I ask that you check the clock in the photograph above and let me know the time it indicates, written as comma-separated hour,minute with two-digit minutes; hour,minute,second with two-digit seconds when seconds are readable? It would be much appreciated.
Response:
3,09
